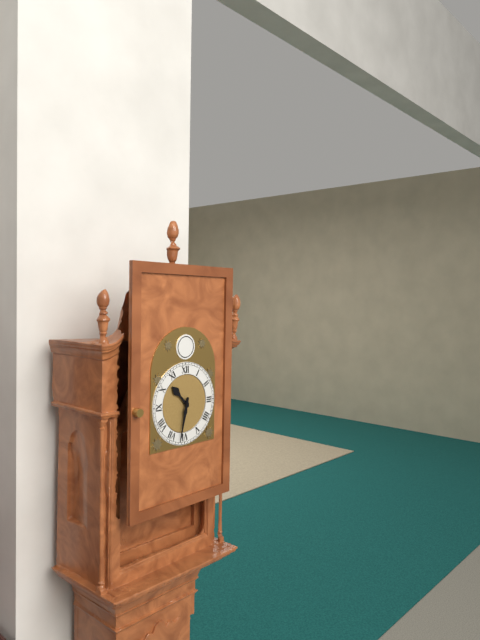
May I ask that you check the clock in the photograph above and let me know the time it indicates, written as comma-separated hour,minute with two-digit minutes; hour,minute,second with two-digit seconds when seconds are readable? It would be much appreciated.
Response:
10,32
